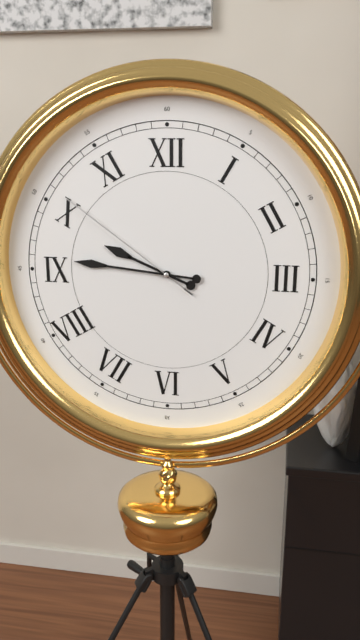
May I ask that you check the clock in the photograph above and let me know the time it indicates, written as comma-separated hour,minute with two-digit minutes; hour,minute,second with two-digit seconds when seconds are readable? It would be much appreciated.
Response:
9,46,51
